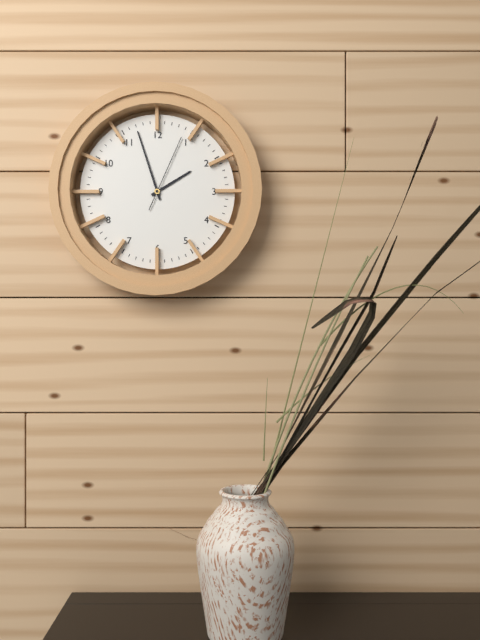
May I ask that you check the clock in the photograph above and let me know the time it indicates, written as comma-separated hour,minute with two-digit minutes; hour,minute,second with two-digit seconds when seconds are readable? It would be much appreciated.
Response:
1,57,04
